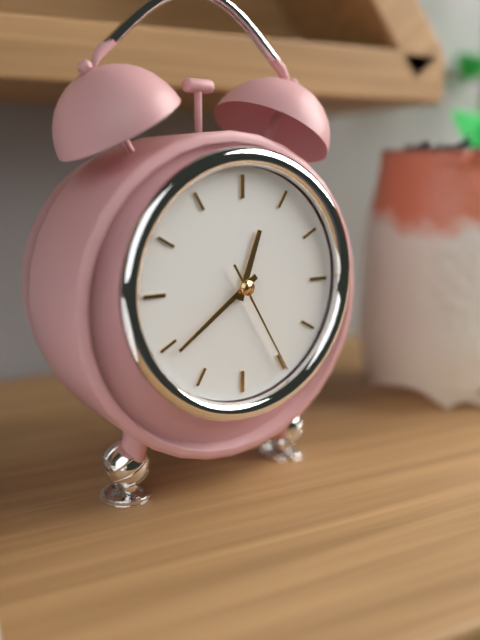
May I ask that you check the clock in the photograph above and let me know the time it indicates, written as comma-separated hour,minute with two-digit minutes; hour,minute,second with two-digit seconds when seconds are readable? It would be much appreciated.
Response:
12,39,25
